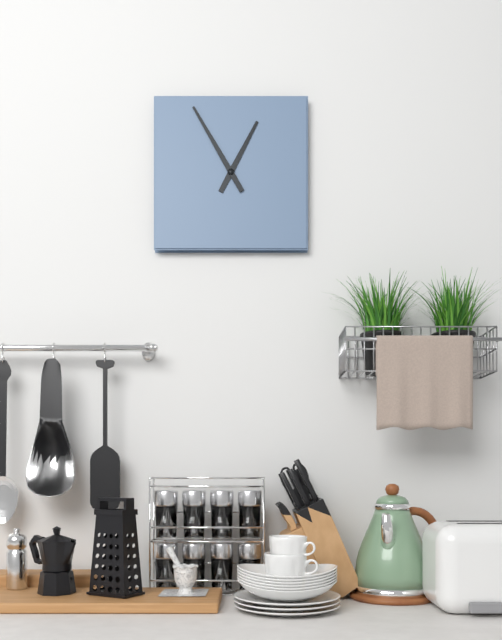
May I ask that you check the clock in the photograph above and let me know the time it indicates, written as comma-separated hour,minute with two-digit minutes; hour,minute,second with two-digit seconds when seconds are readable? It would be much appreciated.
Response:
12,55
